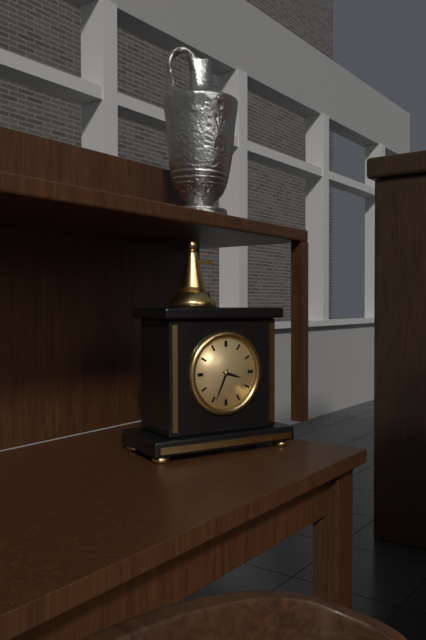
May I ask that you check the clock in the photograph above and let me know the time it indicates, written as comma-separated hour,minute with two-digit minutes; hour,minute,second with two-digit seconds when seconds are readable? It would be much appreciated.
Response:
3,34
